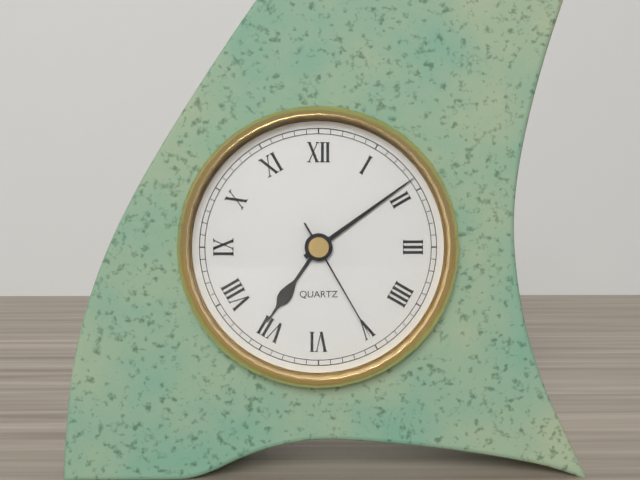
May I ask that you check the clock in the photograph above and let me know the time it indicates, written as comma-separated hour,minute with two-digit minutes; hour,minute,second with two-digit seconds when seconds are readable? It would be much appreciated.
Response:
7,09,25
